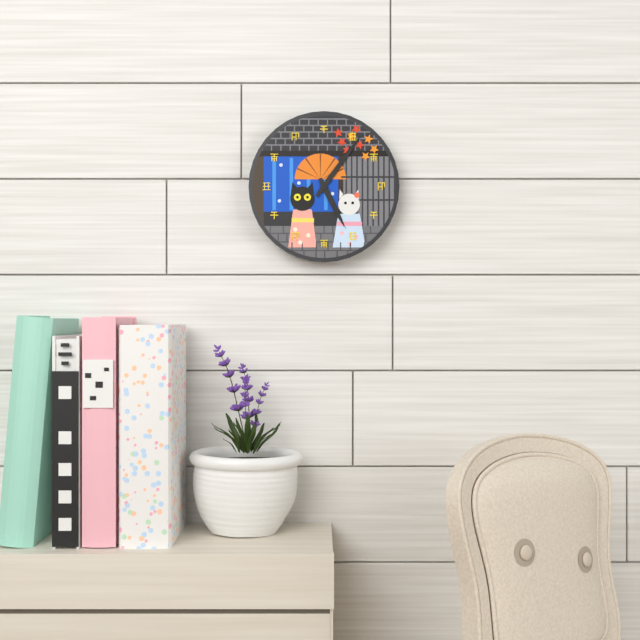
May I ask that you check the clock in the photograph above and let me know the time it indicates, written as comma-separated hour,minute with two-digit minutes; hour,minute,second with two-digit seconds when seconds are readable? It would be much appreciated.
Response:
5,06
